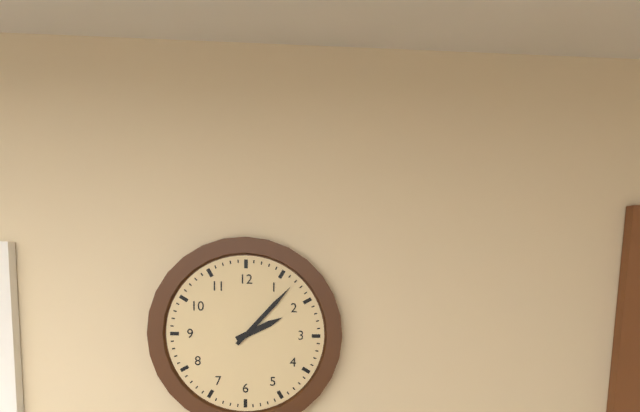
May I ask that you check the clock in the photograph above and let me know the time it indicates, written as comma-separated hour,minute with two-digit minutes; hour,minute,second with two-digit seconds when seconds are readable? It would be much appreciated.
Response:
2,07
